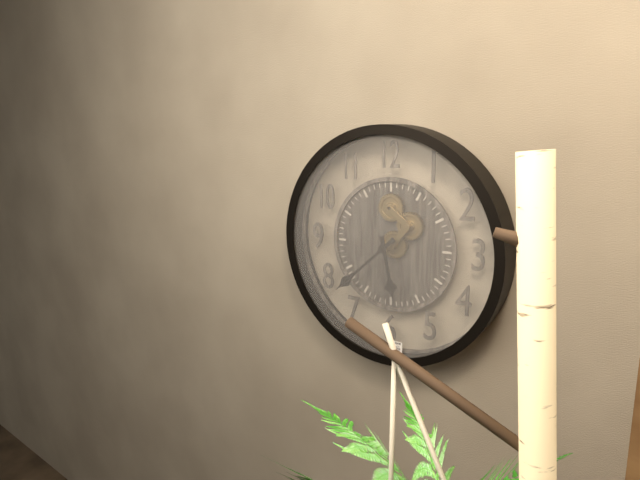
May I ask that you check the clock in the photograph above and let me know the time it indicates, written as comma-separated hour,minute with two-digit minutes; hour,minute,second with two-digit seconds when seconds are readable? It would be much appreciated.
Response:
5,38
